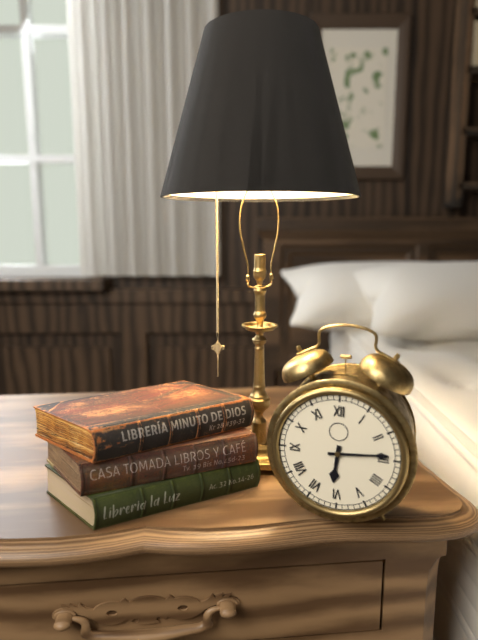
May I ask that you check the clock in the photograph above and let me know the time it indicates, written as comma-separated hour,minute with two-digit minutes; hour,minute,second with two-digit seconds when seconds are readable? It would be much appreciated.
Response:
6,14
